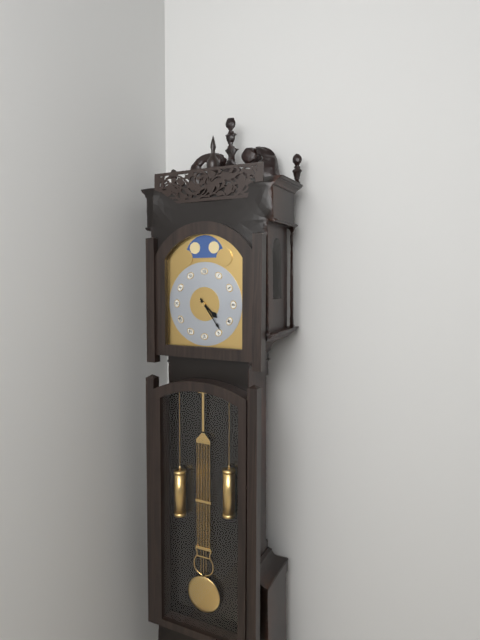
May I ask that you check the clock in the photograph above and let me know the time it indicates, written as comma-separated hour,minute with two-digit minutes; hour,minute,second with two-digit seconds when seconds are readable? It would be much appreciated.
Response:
4,24
